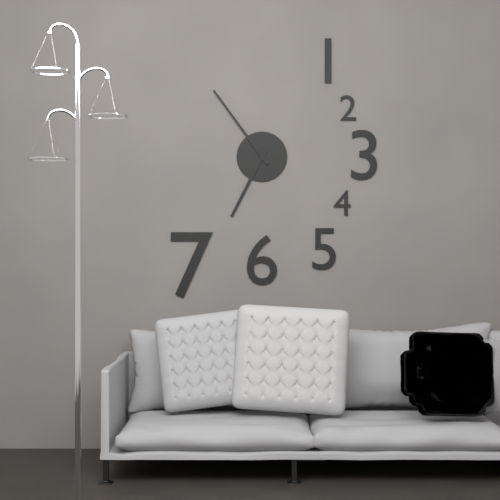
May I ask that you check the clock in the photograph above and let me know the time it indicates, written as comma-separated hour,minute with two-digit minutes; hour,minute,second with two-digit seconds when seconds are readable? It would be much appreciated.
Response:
6,54
